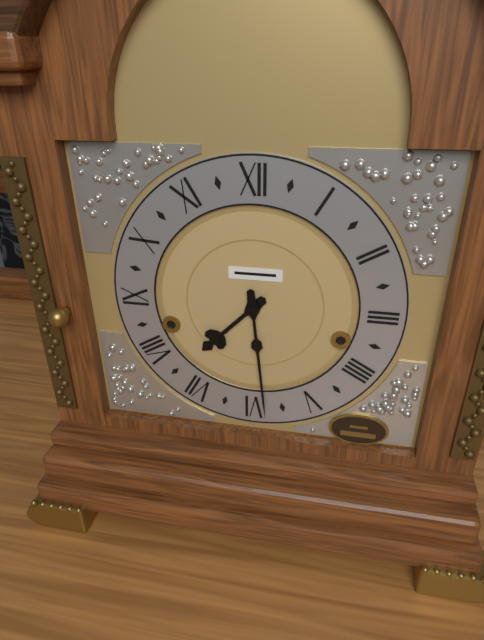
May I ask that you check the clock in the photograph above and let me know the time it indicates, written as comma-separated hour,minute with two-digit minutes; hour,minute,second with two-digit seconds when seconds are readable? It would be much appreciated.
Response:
7,29
